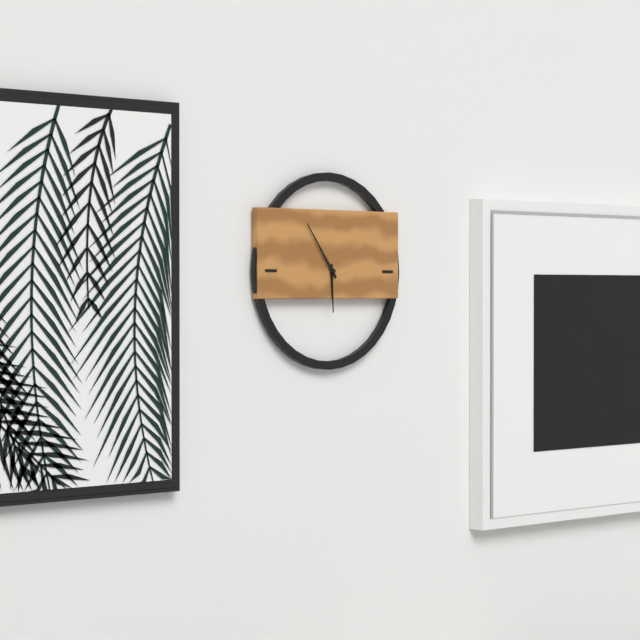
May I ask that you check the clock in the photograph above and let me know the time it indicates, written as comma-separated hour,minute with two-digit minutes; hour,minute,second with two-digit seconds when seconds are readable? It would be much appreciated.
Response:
5,54
